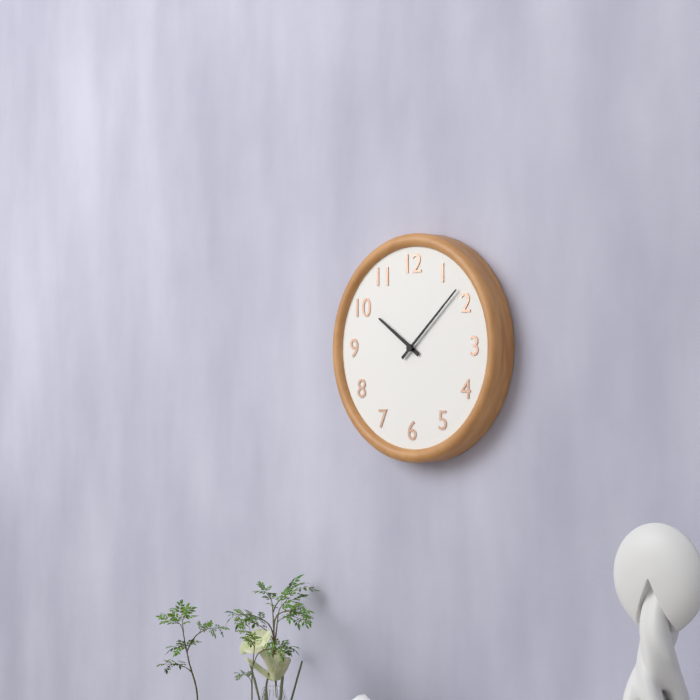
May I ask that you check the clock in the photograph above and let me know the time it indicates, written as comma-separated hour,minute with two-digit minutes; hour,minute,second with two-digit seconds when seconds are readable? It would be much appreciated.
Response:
10,08
